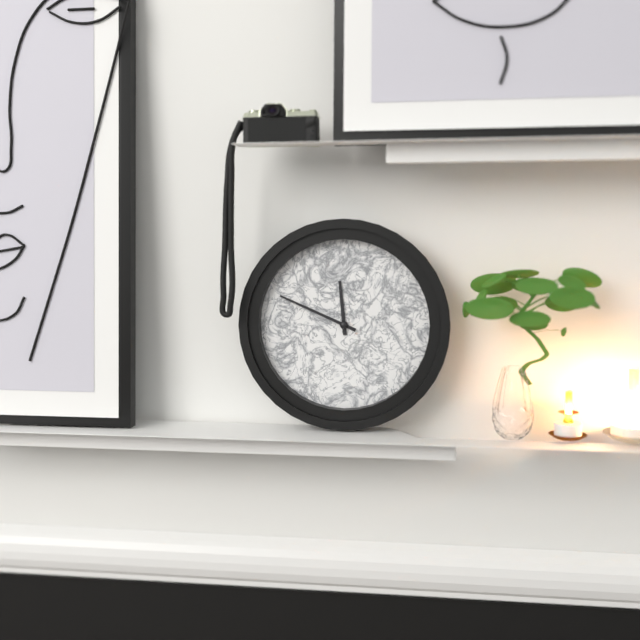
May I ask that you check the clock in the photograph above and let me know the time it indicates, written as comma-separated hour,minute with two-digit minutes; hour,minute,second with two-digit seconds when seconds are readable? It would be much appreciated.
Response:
11,49
